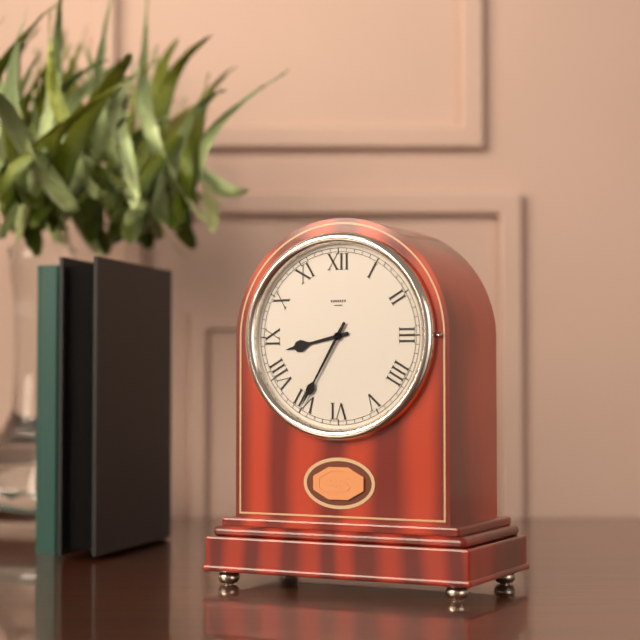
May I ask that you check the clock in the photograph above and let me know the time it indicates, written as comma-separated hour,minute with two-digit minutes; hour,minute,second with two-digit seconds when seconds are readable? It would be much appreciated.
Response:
8,35
